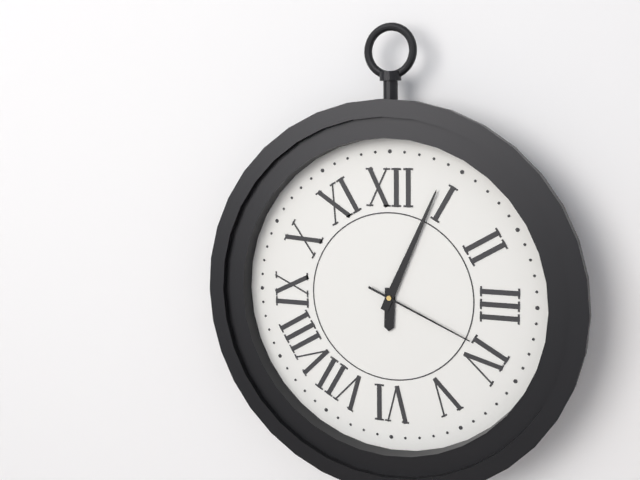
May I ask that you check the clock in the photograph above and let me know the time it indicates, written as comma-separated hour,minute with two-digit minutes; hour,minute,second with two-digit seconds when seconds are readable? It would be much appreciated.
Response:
6,04,19
